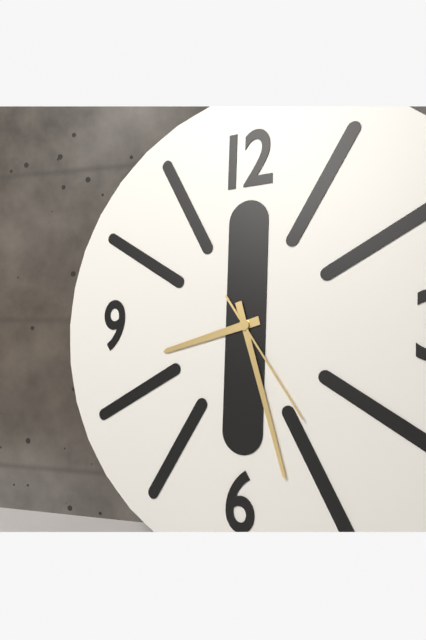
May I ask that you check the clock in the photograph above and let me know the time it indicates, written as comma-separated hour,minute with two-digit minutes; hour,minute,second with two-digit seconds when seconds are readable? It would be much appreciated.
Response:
8,27,24
